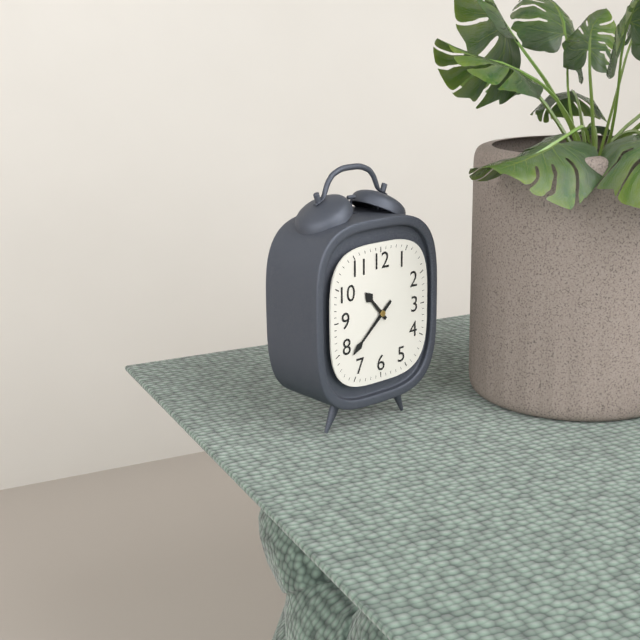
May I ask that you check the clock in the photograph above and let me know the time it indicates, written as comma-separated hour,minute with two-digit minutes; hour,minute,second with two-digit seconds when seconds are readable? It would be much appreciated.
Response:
10,38
